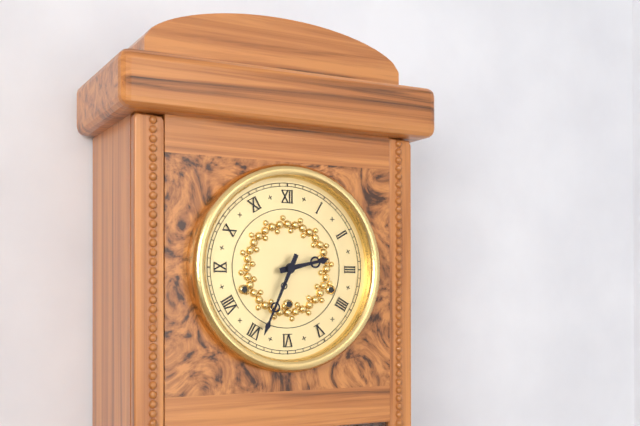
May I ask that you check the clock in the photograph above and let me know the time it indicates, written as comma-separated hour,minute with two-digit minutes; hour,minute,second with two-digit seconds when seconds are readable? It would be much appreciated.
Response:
2,34
